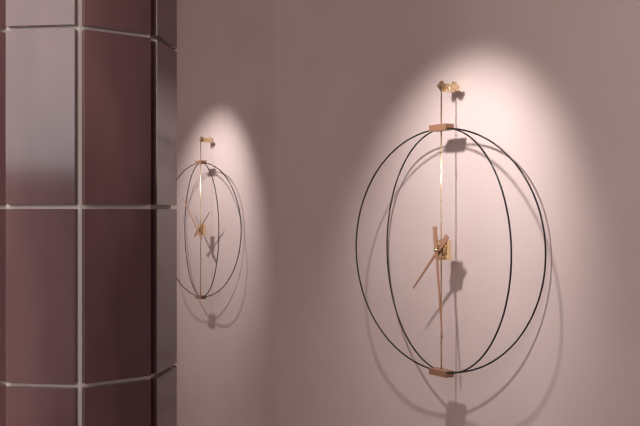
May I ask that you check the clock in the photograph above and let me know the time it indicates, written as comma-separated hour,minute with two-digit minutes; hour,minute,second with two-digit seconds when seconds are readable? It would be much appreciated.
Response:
7,29
